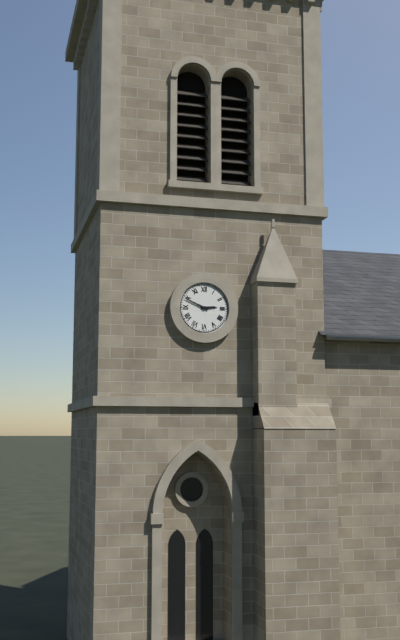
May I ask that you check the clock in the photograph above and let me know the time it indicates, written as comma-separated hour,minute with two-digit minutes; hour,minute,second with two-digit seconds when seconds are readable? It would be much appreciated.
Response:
2,49
